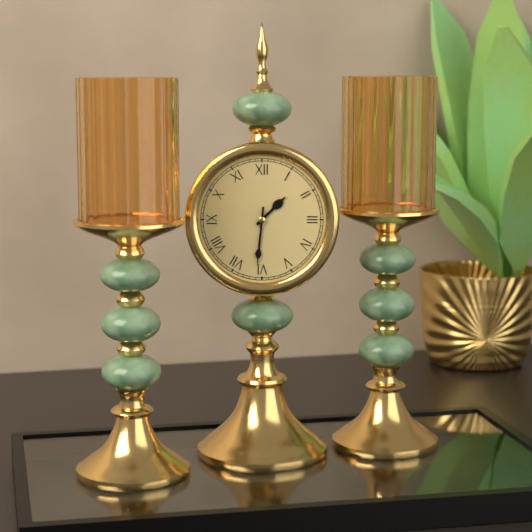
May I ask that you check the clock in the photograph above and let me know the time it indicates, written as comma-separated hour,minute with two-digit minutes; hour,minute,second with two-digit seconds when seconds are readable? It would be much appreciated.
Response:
1,31
